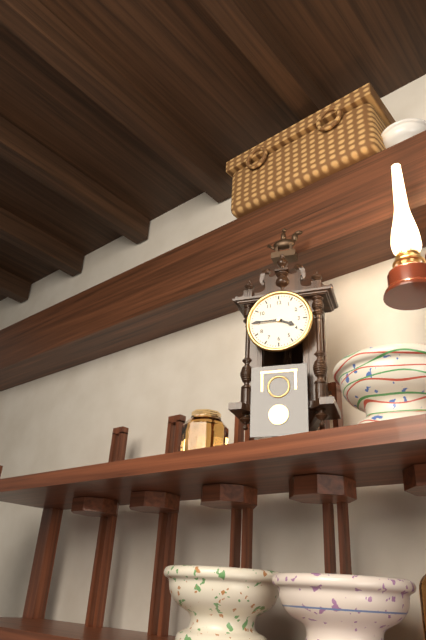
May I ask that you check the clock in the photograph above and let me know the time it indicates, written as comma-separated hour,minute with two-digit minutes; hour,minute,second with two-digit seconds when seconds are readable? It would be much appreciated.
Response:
3,45
